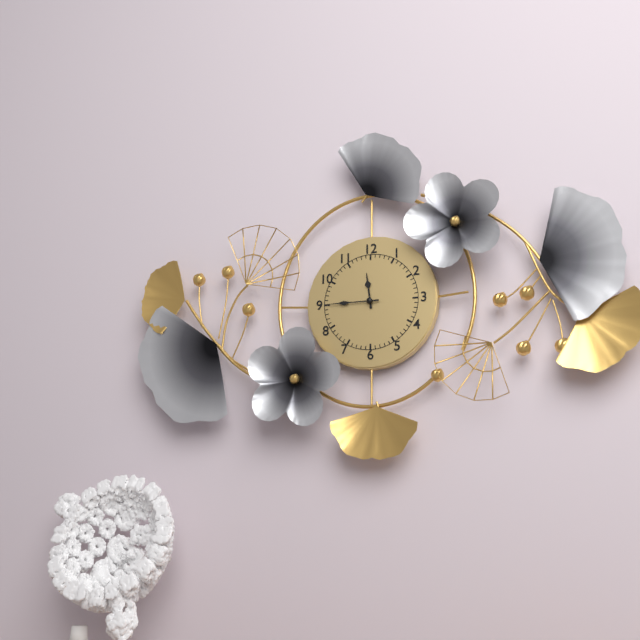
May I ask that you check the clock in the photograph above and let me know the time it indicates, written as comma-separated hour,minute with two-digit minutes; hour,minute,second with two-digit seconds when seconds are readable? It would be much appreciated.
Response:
11,45
